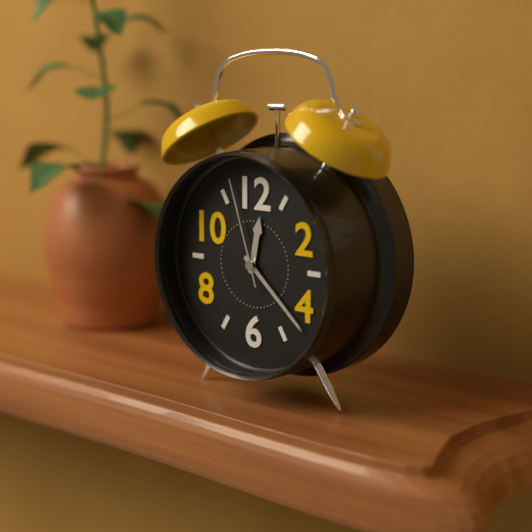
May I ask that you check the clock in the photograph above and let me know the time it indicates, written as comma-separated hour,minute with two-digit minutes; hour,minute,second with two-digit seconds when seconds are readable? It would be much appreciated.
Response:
12,22,57
